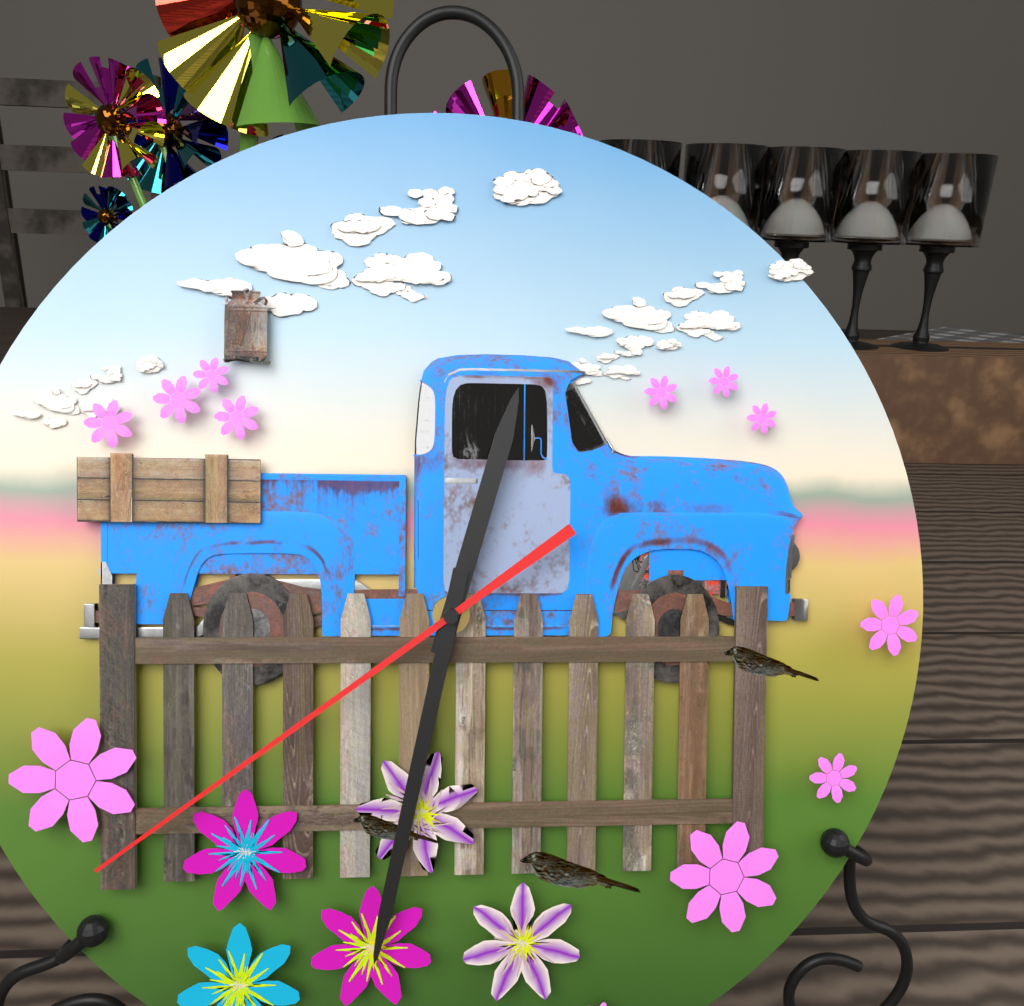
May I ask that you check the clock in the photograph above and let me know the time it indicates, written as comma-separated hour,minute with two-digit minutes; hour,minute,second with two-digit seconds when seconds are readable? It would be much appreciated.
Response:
12,32,39
